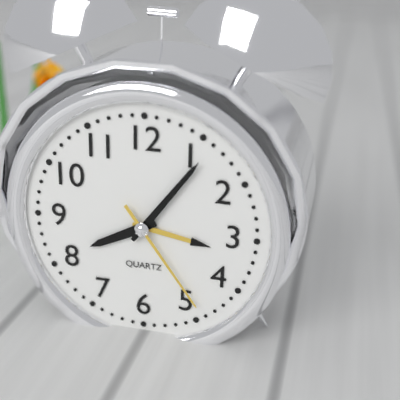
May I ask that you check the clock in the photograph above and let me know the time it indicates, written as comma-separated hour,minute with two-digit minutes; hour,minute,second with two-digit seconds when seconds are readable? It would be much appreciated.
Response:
8,06,24
